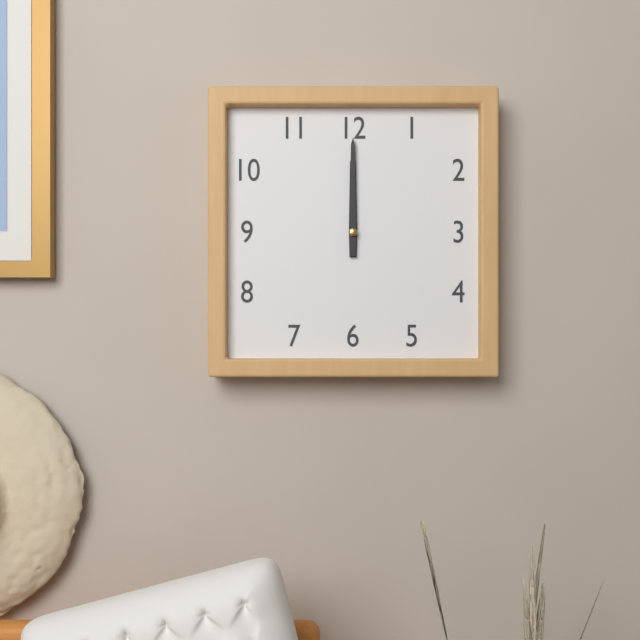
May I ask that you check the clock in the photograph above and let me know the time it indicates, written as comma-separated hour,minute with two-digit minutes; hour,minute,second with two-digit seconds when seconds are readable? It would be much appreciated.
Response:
12,00
